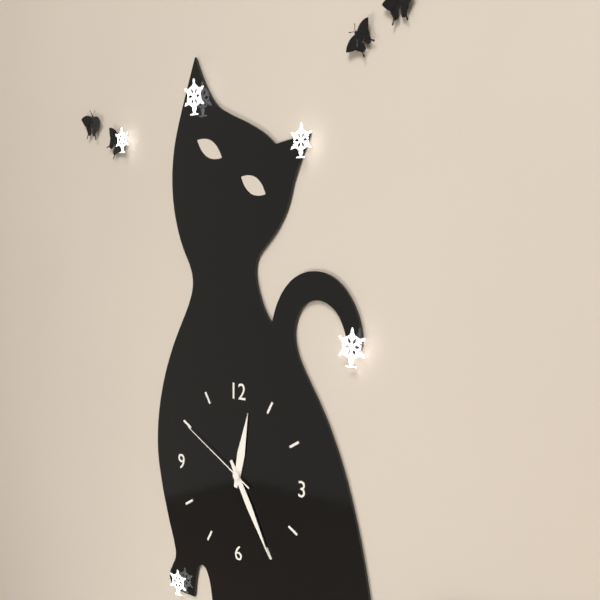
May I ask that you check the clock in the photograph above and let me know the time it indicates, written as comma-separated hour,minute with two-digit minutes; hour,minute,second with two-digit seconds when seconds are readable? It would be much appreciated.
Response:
12,25,50
